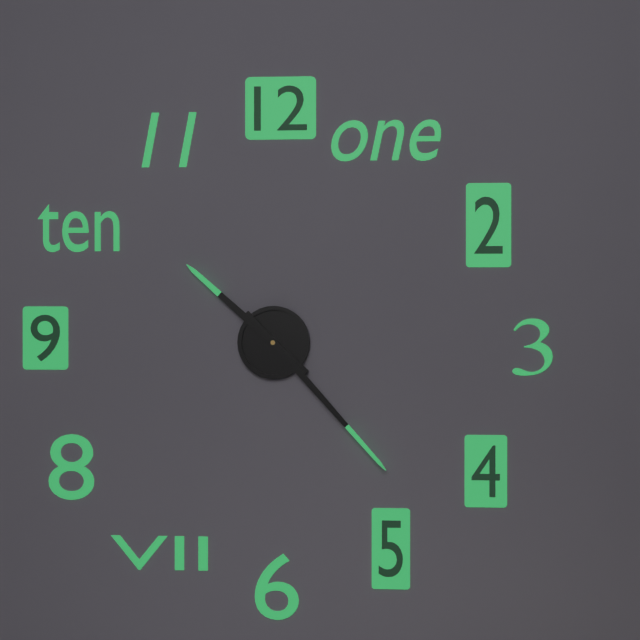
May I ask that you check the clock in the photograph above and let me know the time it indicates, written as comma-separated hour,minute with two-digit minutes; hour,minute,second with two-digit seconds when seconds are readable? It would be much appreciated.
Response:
10,23
